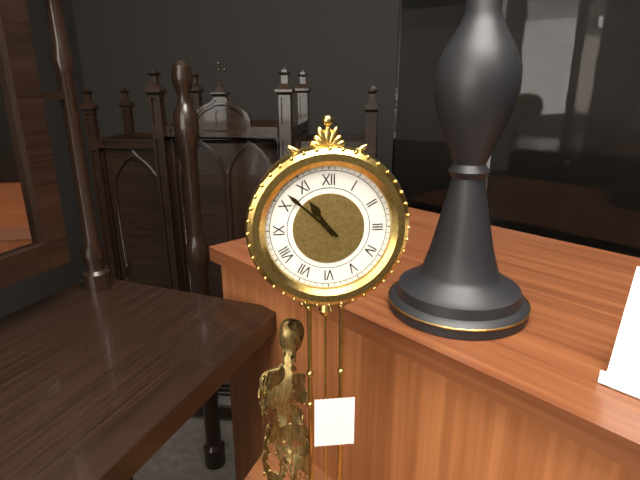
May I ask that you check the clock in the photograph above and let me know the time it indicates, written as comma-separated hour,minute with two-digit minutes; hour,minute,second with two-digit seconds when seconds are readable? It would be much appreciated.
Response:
10,52
